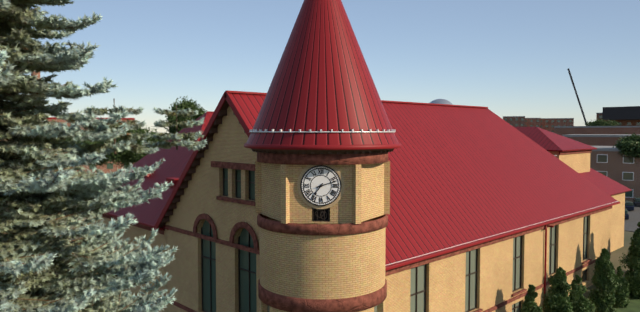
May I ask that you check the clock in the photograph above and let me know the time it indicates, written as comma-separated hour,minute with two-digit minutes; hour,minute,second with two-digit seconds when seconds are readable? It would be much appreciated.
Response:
7,12
